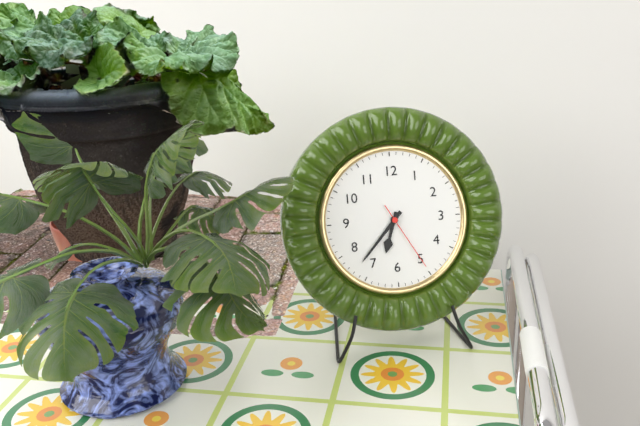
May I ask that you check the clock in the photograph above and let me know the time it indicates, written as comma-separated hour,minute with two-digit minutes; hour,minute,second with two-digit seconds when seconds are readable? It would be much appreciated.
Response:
6,37,25
